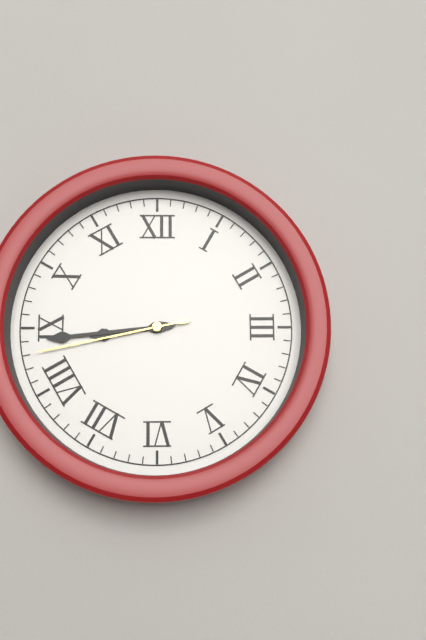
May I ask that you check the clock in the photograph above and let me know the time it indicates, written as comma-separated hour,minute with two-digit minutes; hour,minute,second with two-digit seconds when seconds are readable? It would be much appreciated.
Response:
8,44,43
